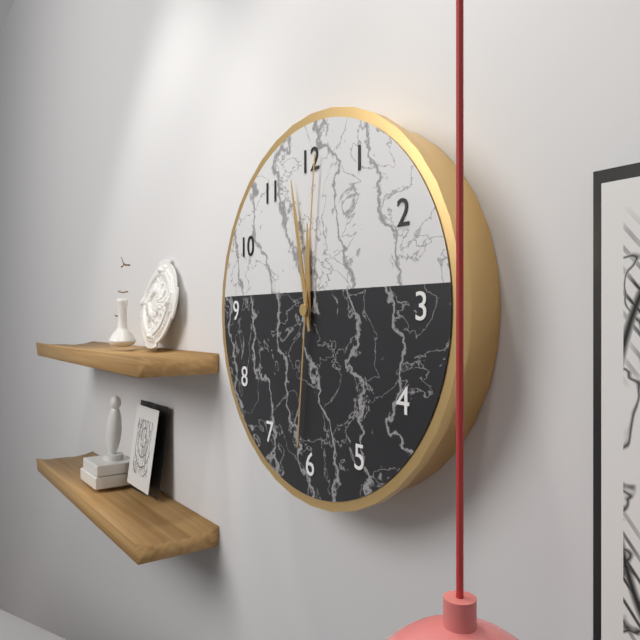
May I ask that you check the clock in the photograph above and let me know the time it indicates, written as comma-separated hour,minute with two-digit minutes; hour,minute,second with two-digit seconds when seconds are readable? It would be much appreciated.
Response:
11,58,01
